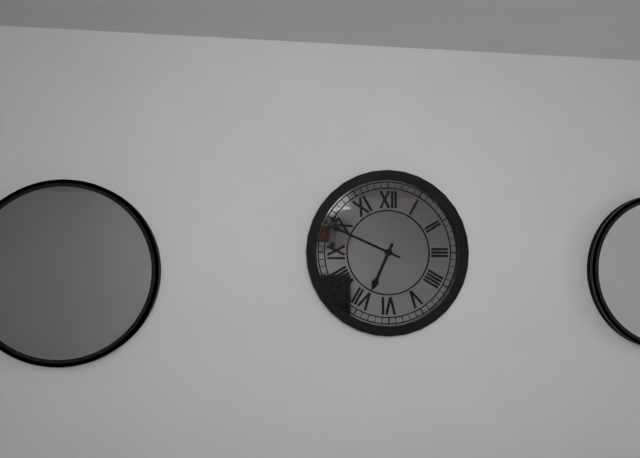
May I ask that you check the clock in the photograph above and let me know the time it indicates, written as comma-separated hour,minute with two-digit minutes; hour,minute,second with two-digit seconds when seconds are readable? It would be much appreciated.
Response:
6,49
